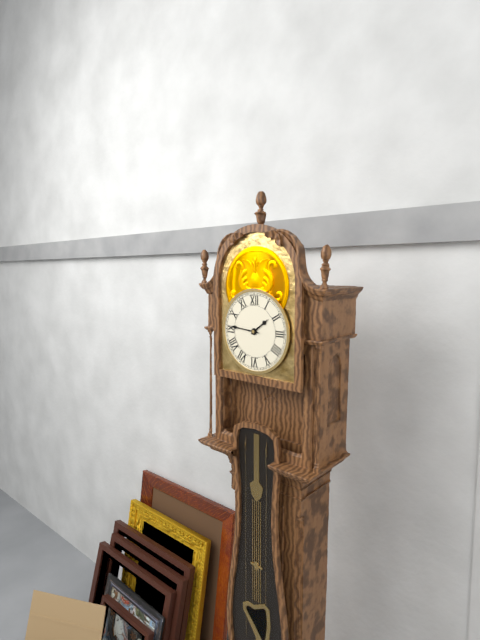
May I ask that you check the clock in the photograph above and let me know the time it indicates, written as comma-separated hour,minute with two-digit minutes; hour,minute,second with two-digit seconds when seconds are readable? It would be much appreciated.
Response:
1,46
